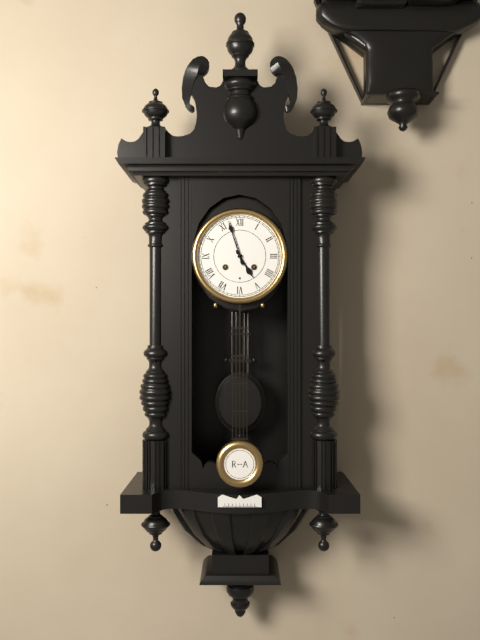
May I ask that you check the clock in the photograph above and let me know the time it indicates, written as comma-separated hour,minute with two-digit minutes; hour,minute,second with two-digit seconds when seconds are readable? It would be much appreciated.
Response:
4,57
